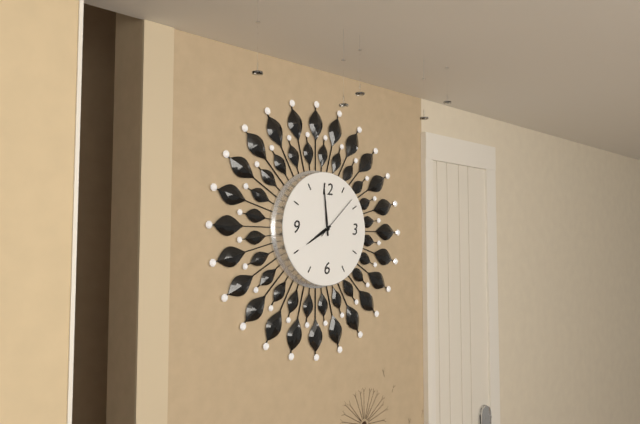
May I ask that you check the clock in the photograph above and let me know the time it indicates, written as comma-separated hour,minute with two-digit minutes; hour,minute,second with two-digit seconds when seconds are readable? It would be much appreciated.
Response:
7,59
